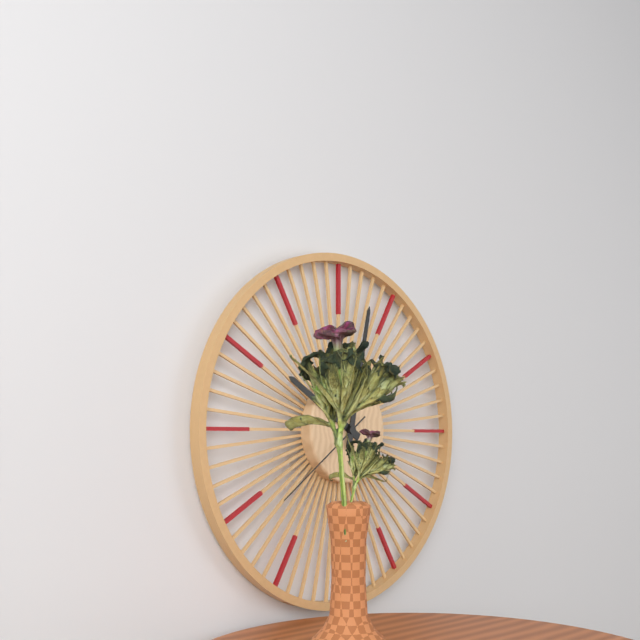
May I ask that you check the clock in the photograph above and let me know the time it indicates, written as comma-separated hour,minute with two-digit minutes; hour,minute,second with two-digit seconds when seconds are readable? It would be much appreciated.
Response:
10,02,39
